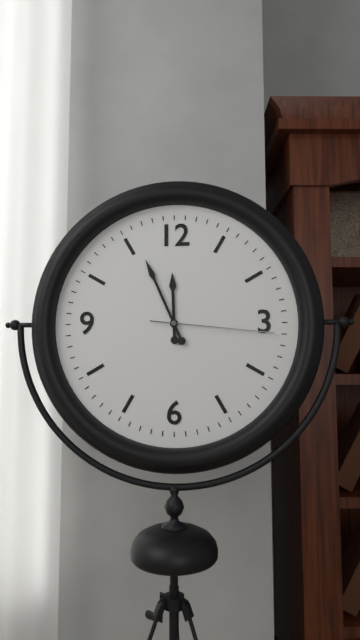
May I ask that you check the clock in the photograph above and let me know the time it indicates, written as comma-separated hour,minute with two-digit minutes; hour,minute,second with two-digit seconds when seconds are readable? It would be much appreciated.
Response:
11,56,16
